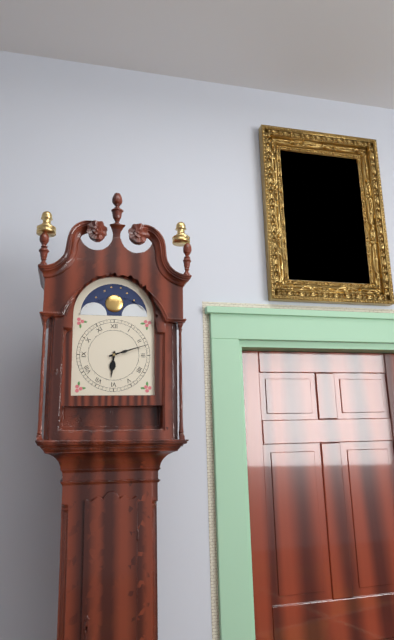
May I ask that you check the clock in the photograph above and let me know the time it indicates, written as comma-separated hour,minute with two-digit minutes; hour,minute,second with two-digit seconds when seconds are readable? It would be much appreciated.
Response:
6,12
